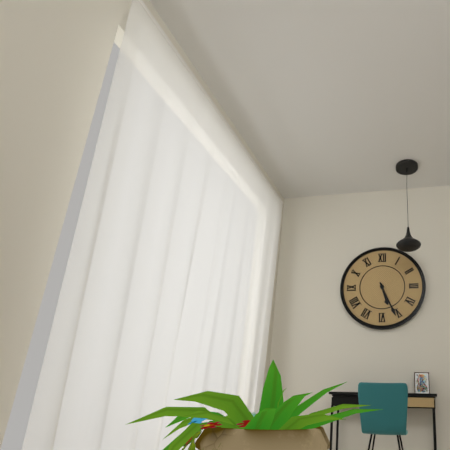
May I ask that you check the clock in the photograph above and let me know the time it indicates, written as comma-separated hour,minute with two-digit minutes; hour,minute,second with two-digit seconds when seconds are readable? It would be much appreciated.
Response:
5,26
